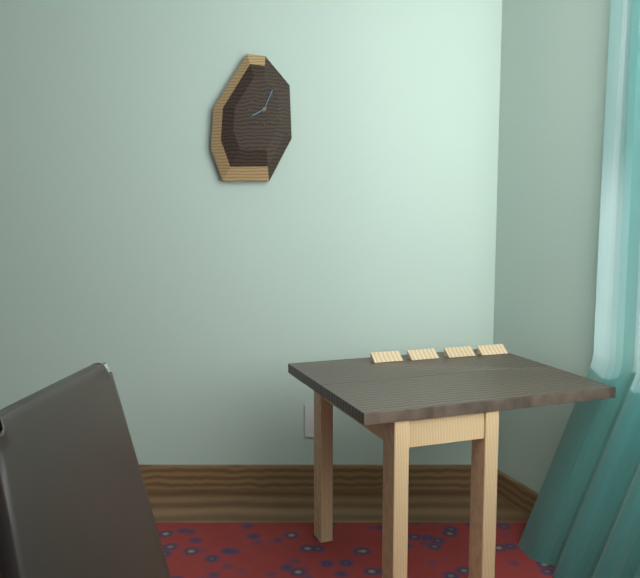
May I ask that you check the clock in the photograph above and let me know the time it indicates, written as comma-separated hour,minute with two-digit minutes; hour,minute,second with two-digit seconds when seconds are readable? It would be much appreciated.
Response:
8,04
